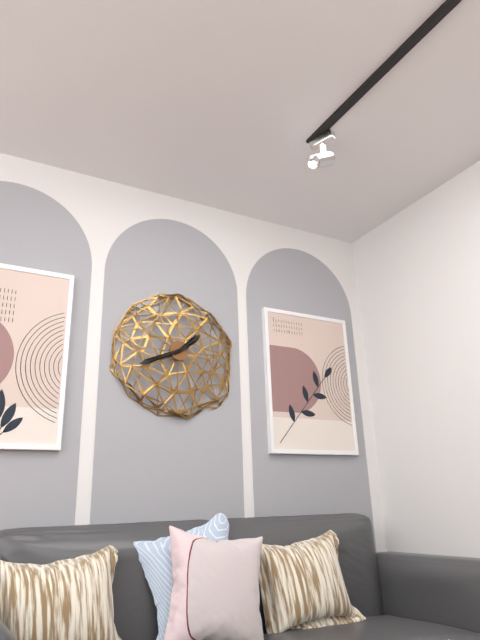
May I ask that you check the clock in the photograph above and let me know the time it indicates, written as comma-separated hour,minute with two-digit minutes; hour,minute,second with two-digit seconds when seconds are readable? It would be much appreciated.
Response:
1,41
